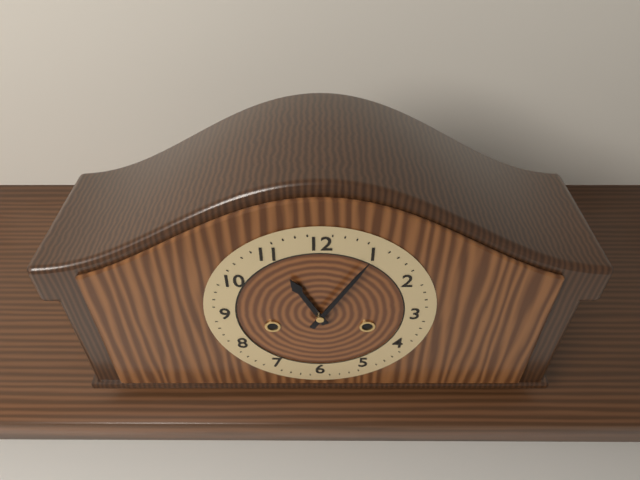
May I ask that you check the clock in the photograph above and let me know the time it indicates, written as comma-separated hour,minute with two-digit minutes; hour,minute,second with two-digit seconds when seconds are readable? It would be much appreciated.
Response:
11,05
